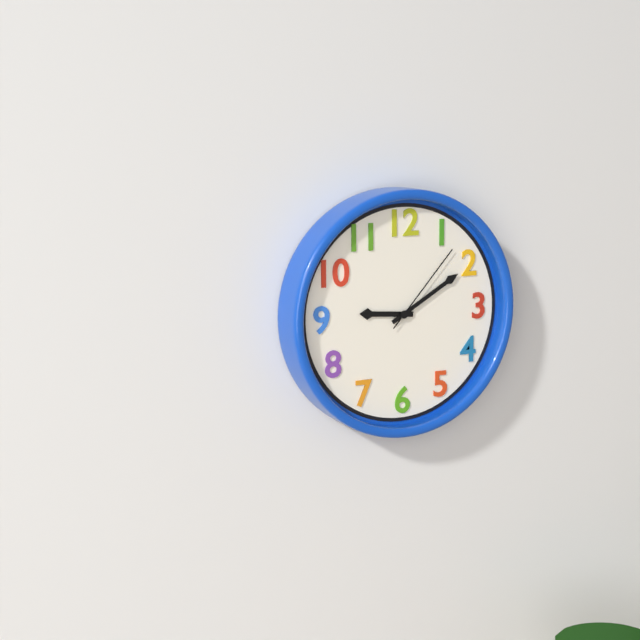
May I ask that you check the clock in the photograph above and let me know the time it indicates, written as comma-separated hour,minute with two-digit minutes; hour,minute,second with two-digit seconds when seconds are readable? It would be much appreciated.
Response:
9,10,07
